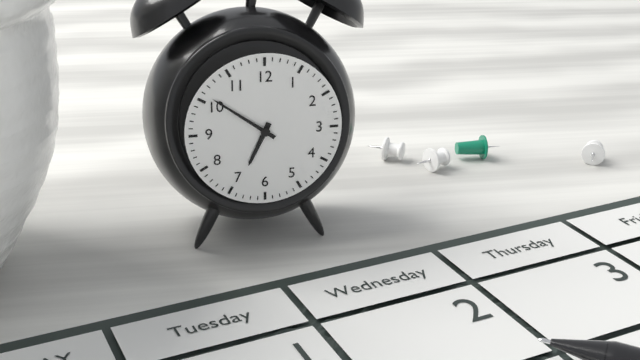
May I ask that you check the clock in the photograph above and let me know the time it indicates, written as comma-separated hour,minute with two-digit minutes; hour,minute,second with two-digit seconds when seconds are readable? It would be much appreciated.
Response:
6,51
